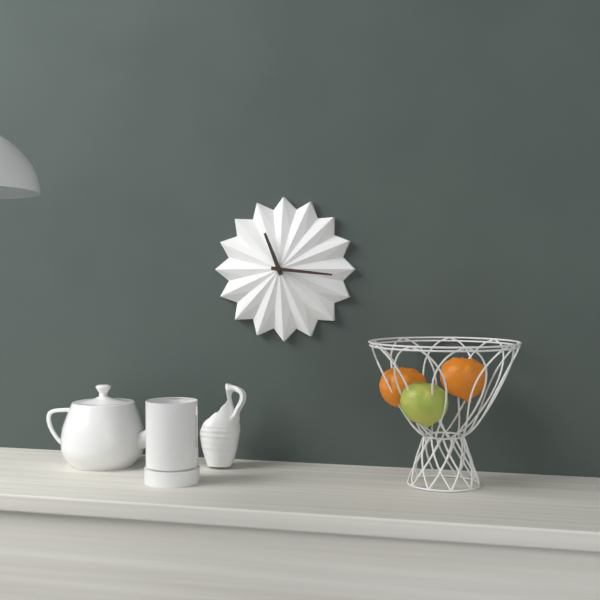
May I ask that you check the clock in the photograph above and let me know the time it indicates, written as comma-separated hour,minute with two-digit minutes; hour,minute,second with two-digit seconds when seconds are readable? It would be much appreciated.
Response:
11,16
